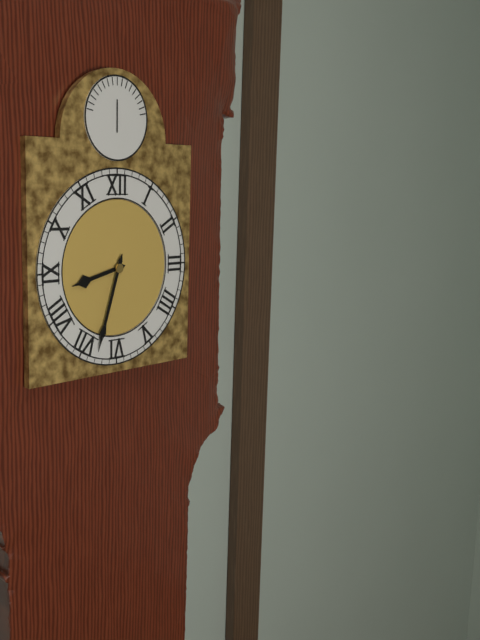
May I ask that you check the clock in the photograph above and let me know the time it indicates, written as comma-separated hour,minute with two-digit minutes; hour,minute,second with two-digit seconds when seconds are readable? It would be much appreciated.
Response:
8,33
